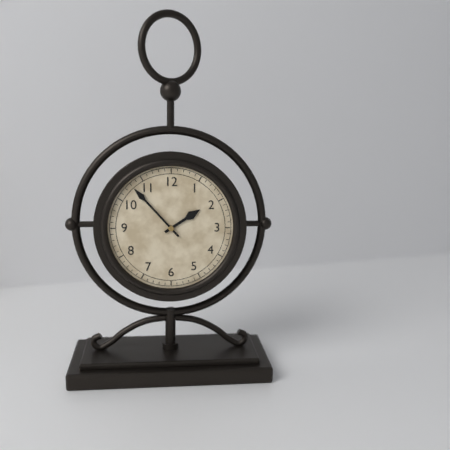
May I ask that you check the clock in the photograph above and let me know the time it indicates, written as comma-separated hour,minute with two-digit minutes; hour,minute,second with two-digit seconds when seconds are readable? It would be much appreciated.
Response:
1,53
